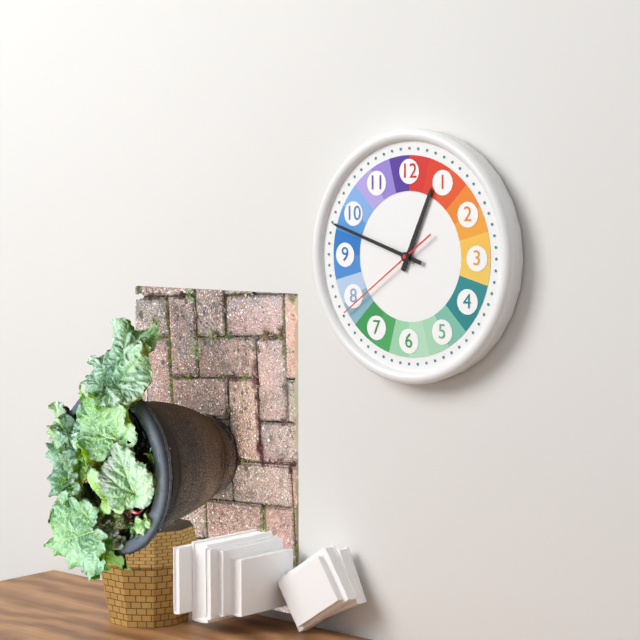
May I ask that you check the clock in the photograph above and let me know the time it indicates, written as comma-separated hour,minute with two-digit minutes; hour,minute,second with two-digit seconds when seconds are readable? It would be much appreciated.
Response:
12,48,39
